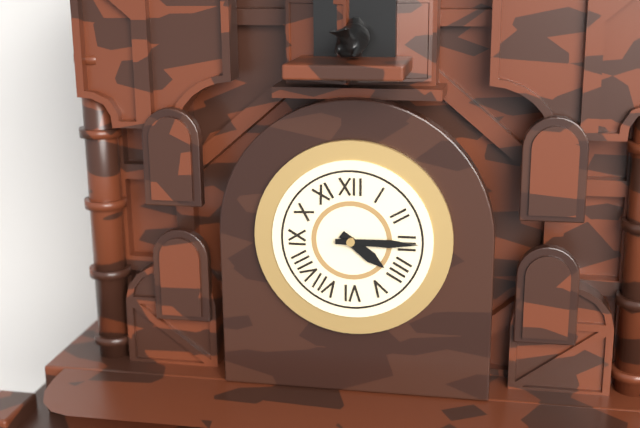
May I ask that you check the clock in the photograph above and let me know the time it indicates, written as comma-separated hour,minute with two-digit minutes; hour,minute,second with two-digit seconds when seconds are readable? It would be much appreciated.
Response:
4,15
